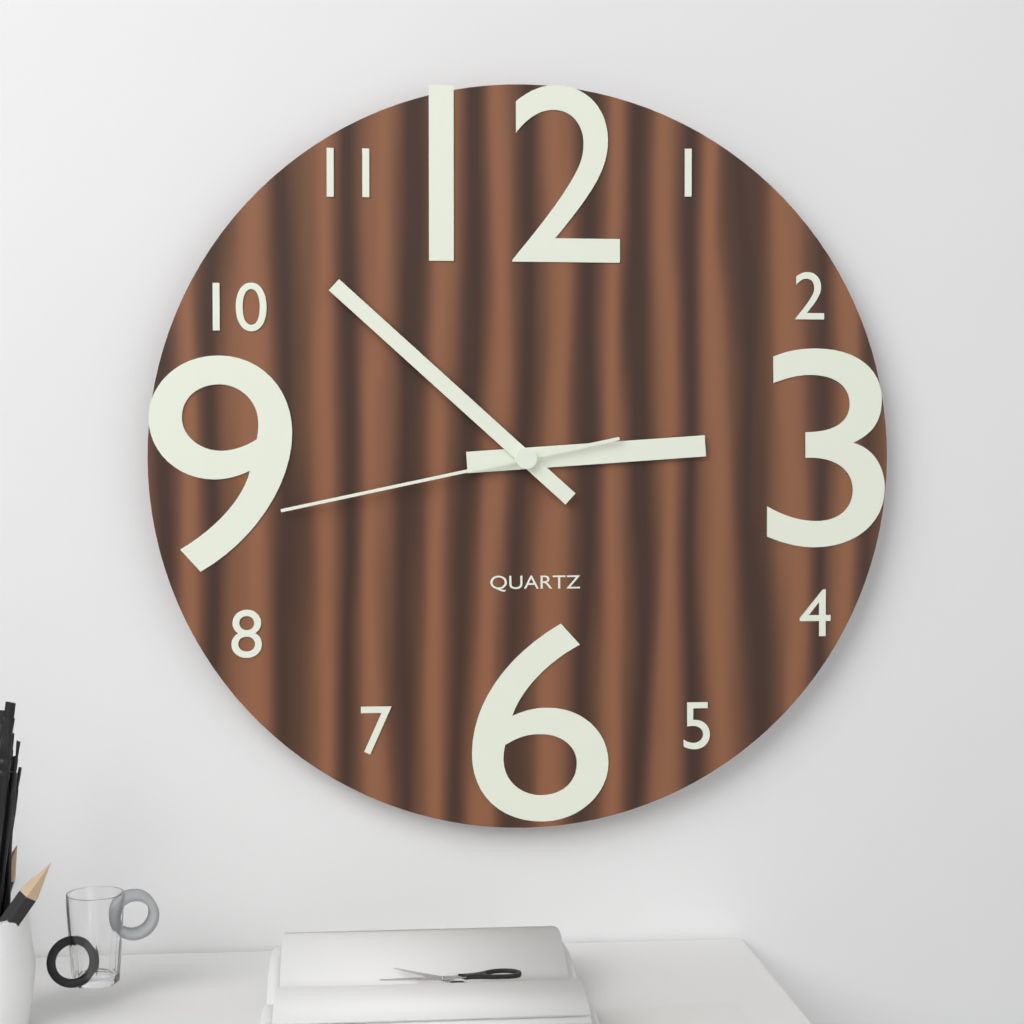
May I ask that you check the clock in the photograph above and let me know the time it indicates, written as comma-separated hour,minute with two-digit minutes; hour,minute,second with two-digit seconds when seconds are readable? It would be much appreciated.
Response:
2,52,43
